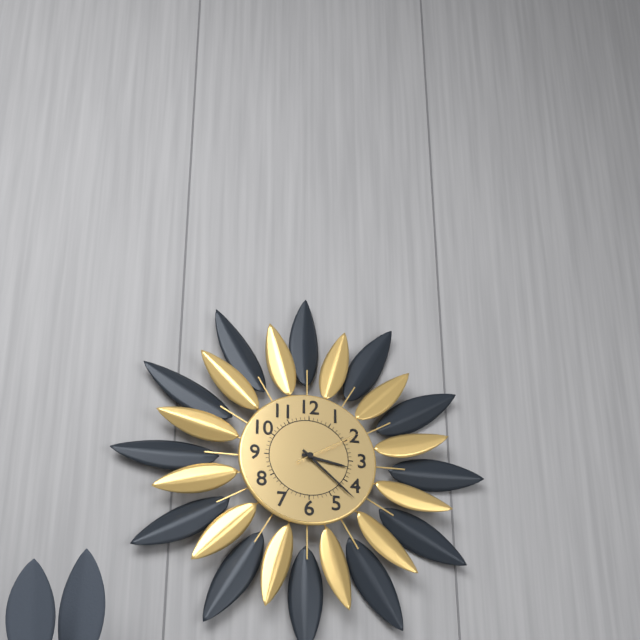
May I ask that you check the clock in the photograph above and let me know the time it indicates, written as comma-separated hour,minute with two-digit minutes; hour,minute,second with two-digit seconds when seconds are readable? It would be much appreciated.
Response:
3,22,10
